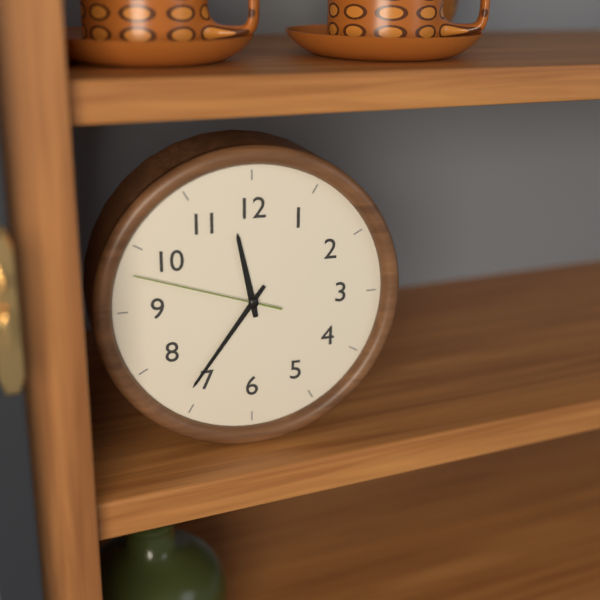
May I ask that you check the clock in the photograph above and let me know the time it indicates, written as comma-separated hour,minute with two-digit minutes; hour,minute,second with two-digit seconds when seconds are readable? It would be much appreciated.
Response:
11,36,48
